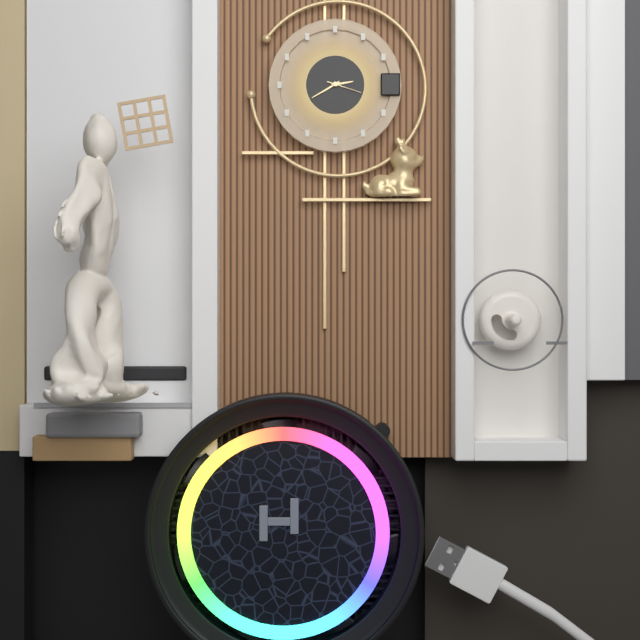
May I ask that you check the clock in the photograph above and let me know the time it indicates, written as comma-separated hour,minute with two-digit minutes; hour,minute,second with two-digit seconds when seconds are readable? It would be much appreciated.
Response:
2,40
